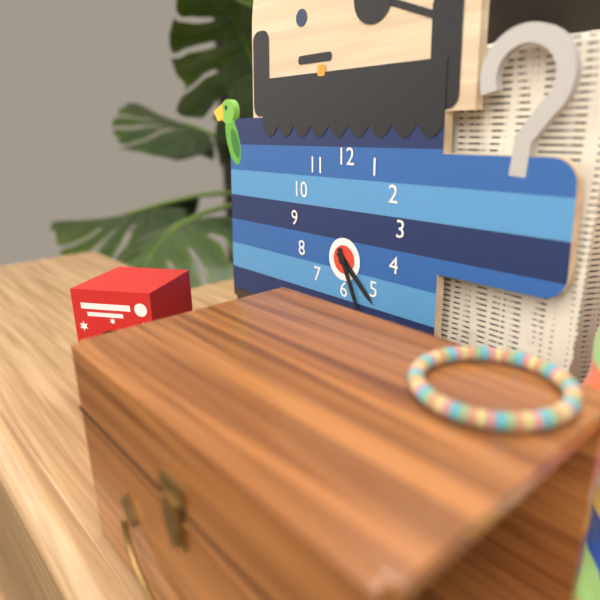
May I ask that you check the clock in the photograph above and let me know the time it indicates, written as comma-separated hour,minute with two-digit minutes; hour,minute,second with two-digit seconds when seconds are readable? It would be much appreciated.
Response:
4,26
